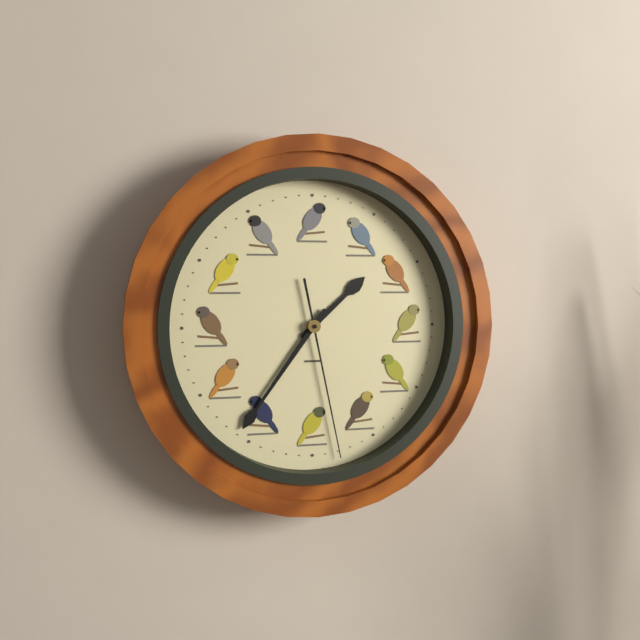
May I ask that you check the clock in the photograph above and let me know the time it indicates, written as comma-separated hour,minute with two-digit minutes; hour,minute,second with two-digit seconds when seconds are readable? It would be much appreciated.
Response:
1,36,28
